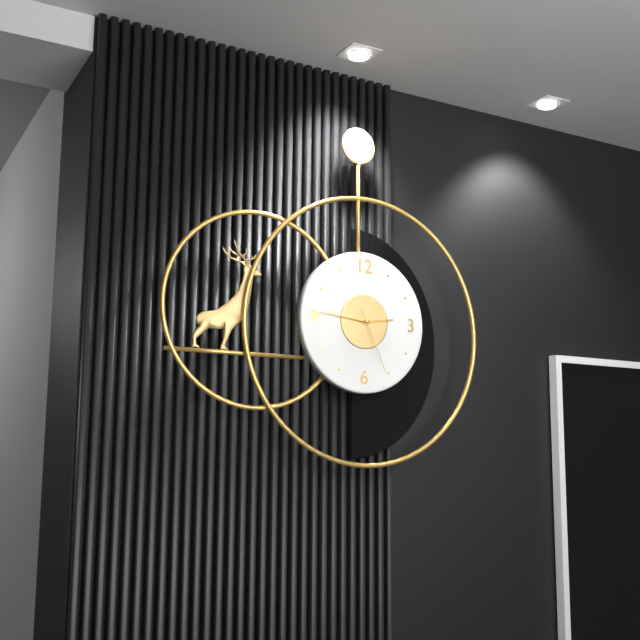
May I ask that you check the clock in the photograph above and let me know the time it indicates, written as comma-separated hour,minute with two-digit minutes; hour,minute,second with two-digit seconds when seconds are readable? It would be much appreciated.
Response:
2,46,26
